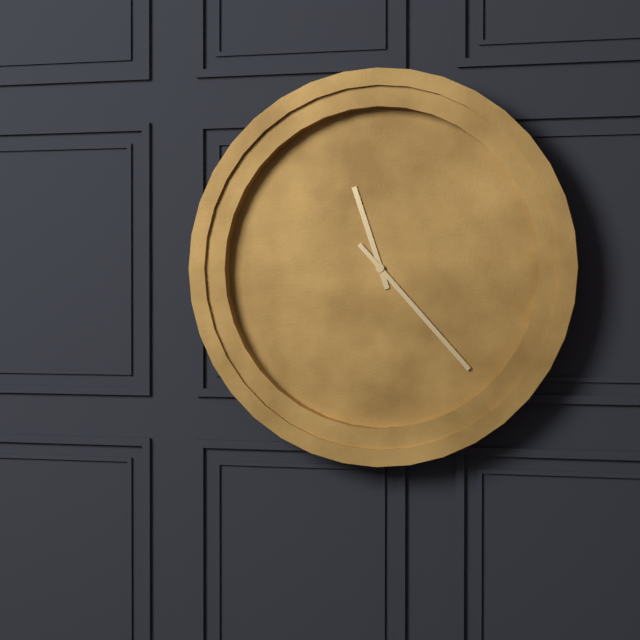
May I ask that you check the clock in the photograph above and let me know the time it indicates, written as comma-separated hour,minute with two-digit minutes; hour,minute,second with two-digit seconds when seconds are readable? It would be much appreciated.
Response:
11,23
